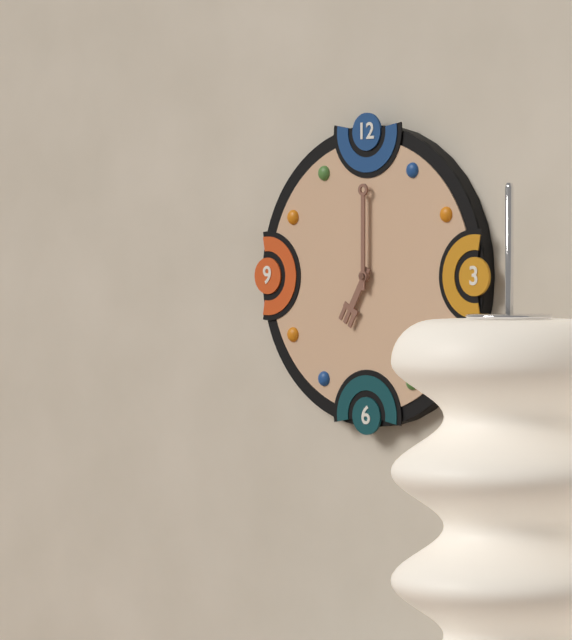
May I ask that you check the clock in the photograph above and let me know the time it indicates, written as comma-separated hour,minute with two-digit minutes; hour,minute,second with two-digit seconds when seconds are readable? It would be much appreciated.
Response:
7,00
